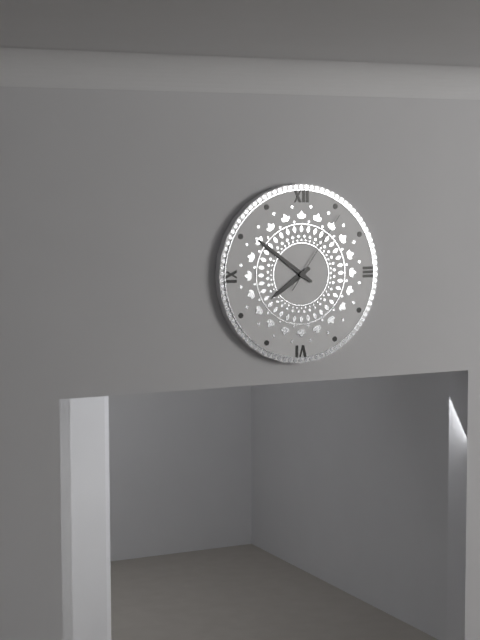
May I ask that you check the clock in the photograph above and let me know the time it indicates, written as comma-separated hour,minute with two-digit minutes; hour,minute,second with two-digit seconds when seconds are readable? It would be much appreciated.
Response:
7,51,06
